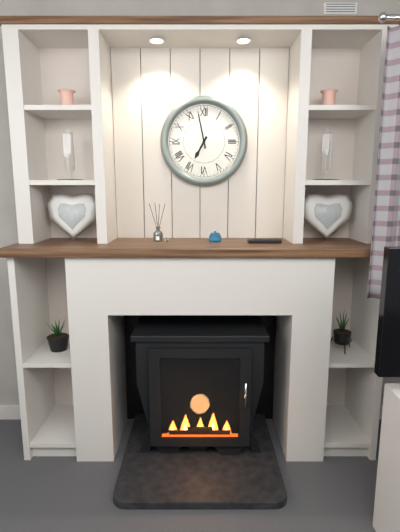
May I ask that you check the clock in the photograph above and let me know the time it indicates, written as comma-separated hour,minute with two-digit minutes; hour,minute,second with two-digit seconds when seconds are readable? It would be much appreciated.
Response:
6,58
